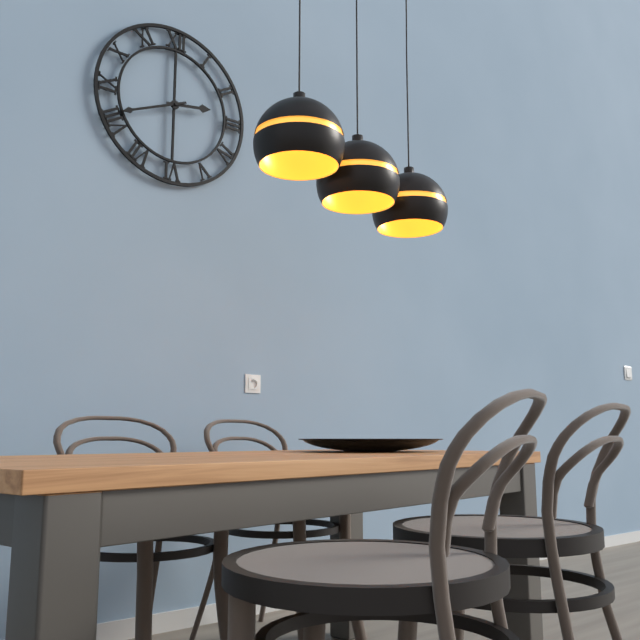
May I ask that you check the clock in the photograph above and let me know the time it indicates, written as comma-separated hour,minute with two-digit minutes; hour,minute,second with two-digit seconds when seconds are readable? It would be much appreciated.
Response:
2,41
